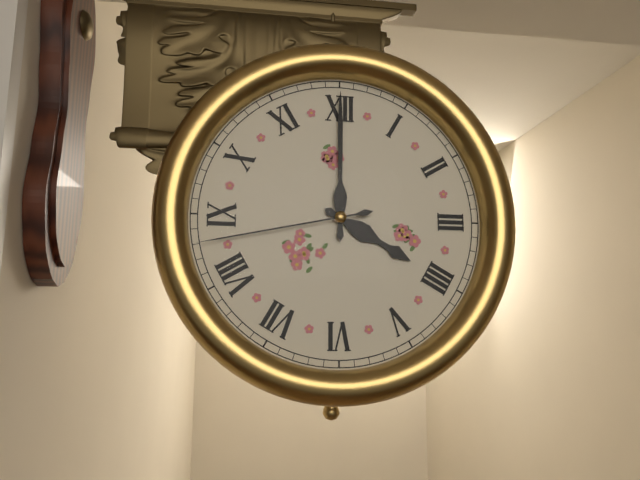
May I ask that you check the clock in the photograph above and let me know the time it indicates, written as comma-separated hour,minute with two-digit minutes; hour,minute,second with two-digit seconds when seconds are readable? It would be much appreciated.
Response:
4,00,43
